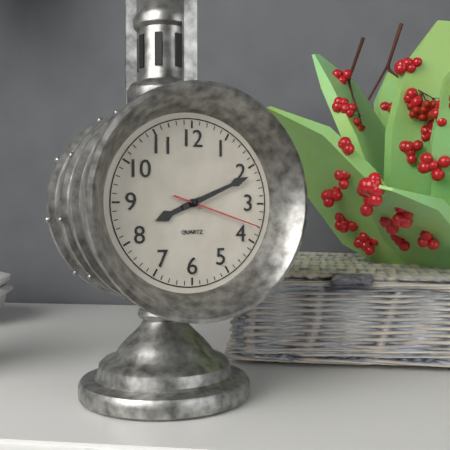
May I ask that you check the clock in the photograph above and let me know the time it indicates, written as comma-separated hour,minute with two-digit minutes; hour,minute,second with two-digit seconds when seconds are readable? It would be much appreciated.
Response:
8,11,18
